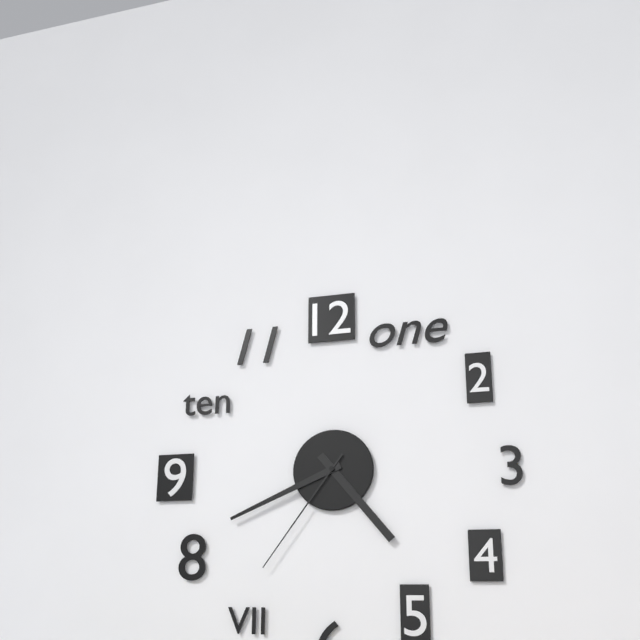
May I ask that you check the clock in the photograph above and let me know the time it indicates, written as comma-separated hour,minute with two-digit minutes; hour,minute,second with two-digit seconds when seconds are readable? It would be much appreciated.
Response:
4,41,36
